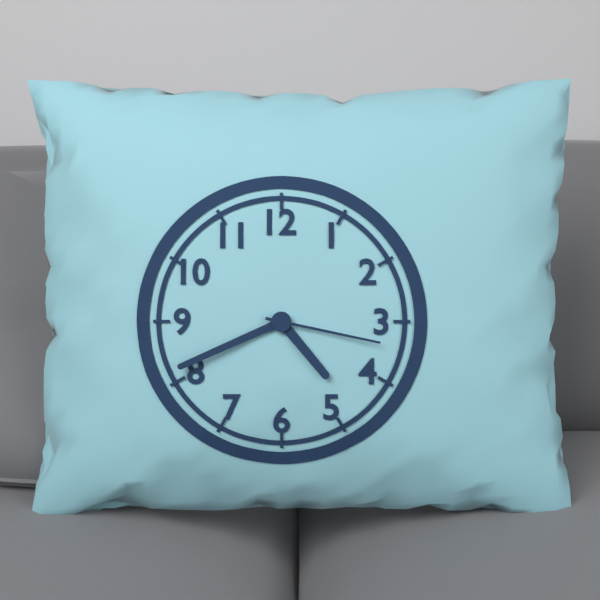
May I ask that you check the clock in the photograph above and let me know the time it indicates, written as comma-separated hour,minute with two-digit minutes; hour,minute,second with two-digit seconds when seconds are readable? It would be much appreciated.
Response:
4,41,17
